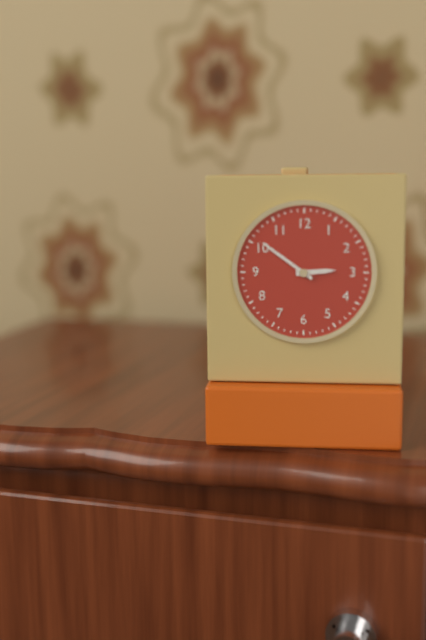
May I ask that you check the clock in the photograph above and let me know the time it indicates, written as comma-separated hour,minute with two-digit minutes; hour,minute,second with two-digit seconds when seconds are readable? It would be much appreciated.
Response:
2,51
